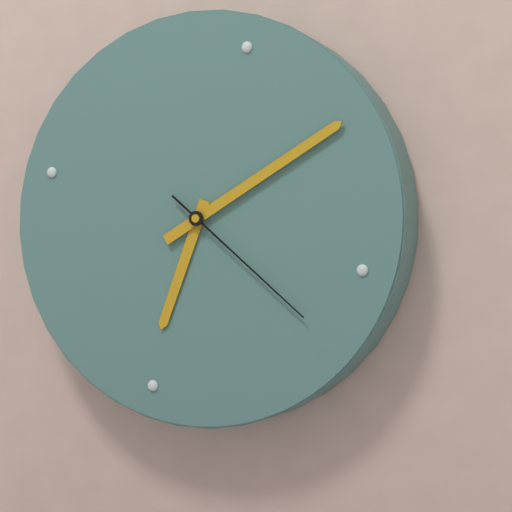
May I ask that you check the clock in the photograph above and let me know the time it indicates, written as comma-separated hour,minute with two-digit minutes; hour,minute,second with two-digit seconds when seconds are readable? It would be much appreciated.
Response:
6,07,19
